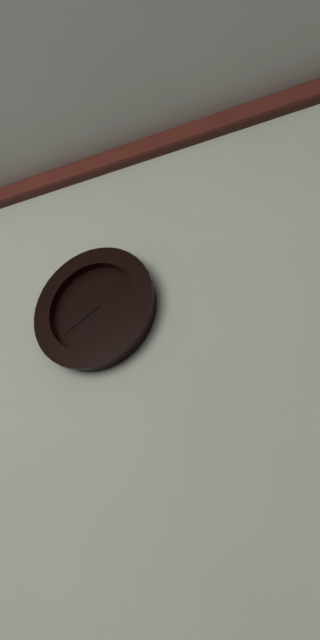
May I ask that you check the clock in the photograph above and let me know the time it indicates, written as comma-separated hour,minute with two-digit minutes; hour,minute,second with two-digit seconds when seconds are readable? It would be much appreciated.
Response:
6,40
